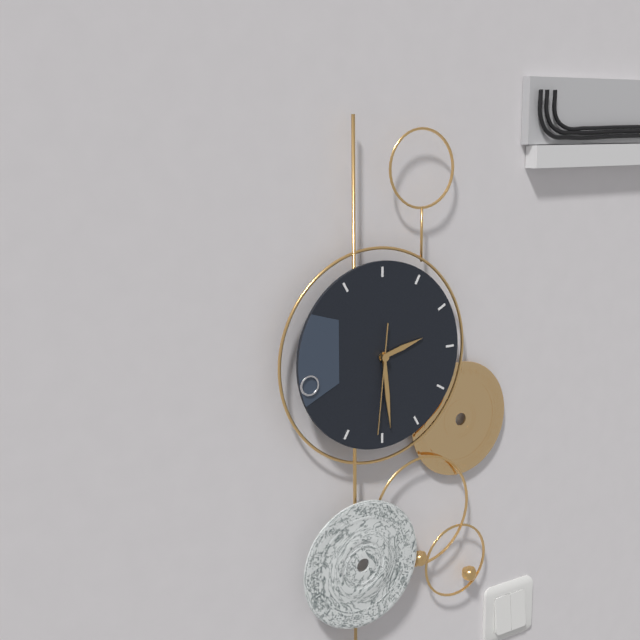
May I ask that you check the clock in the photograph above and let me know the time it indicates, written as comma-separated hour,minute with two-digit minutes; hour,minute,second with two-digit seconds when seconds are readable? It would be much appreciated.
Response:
2,29,31
